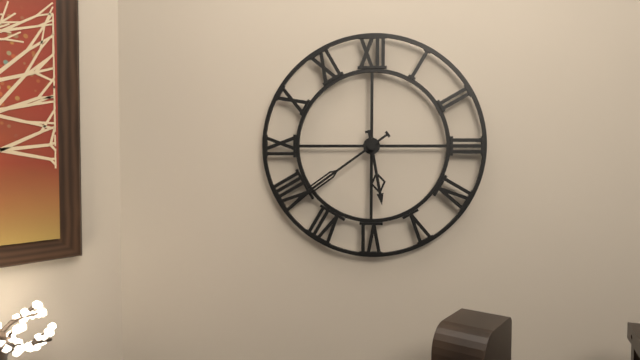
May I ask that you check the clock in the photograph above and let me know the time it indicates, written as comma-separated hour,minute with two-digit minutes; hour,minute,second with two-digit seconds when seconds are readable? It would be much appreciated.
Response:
5,39
